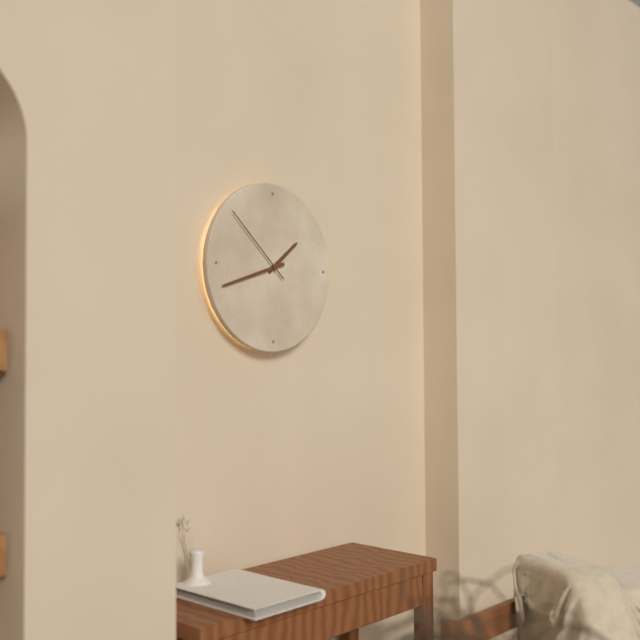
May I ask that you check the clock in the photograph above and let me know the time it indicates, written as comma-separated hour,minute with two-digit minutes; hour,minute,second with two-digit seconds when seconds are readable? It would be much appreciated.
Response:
1,42,52
